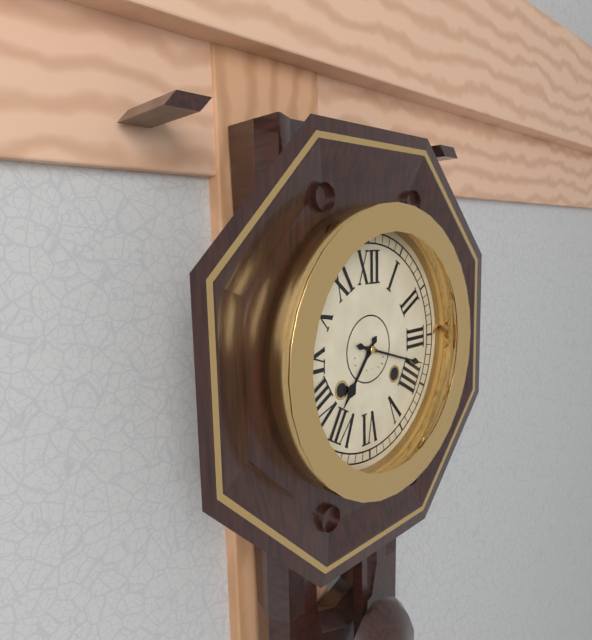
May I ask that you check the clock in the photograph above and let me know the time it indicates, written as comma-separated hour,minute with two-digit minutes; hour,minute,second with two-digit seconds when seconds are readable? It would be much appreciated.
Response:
7,18
